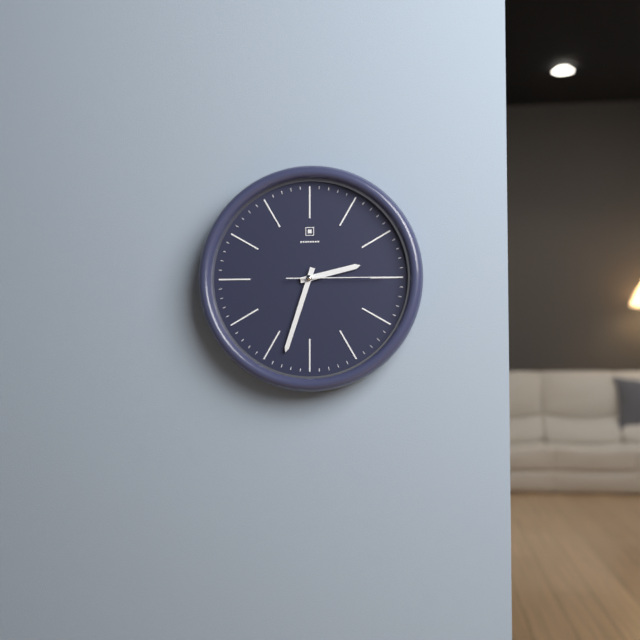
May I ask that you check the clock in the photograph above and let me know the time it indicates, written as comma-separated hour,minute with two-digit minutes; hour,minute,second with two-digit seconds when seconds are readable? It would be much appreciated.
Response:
2,33,15
